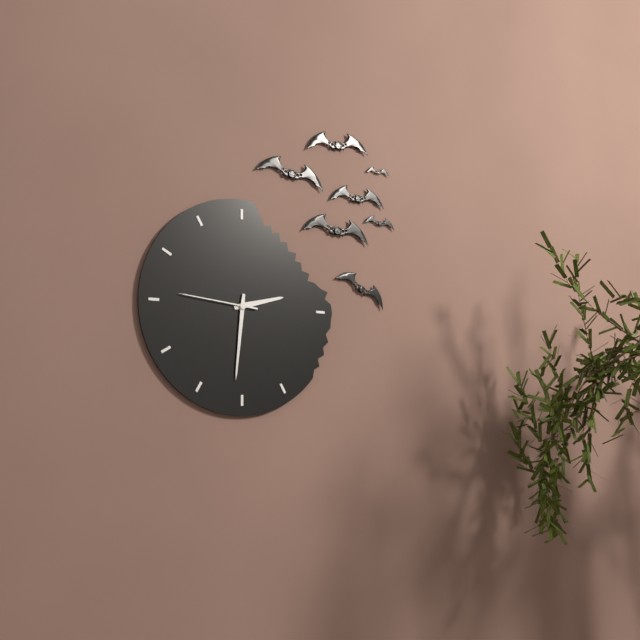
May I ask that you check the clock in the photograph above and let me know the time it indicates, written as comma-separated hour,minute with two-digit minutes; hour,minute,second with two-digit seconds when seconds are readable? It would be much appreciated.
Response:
2,31,46
